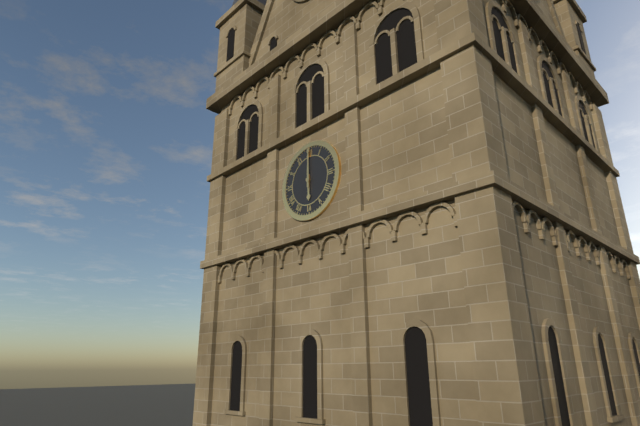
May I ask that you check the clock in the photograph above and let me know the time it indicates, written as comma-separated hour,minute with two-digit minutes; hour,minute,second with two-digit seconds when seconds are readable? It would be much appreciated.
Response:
6,00
